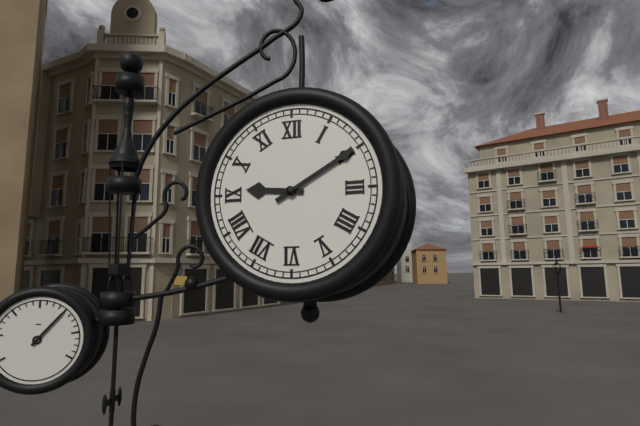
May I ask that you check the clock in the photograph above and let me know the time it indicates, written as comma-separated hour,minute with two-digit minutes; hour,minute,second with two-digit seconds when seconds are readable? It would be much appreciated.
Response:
9,10
